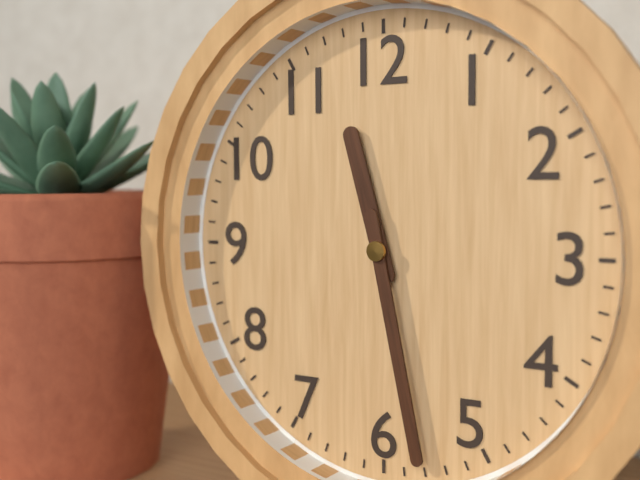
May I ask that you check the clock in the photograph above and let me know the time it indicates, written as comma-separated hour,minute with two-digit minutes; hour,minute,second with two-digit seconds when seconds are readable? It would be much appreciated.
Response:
11,28
